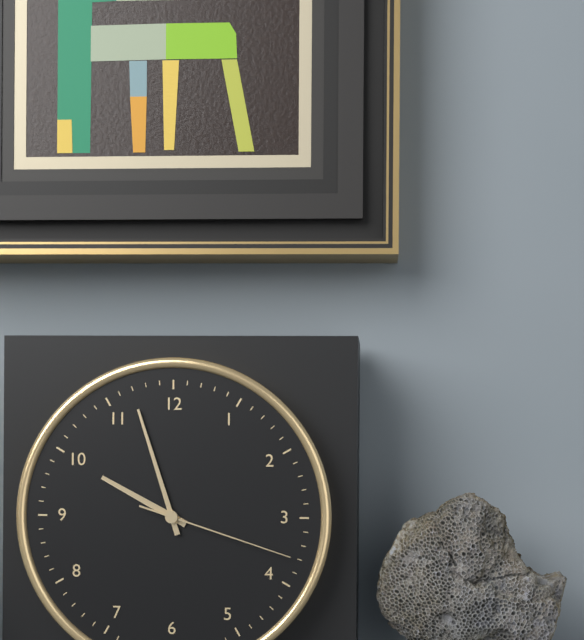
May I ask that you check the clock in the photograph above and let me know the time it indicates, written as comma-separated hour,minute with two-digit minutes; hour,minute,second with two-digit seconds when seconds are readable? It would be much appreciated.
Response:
9,57,18
